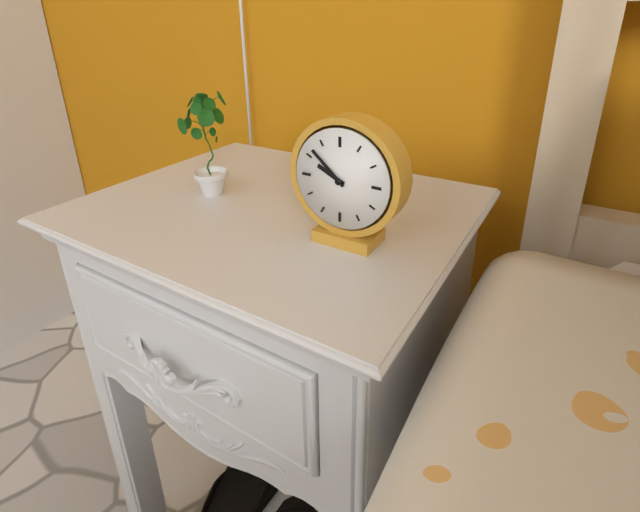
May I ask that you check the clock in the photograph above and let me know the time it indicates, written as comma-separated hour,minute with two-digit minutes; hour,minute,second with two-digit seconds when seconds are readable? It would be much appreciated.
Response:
9,52
